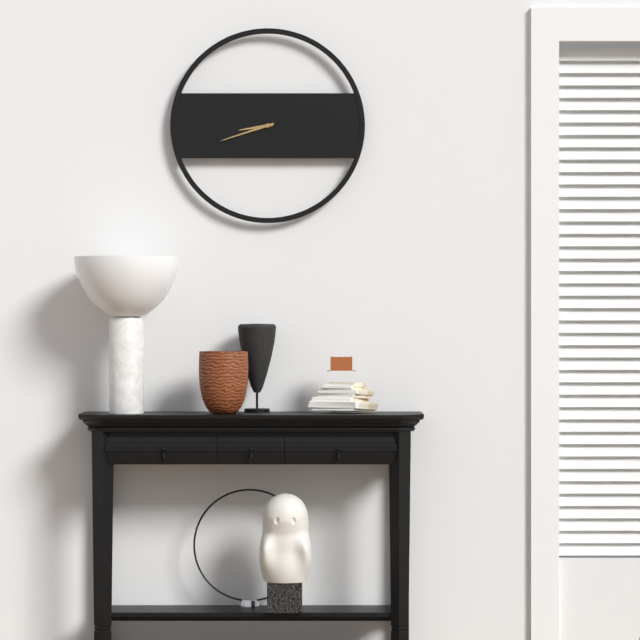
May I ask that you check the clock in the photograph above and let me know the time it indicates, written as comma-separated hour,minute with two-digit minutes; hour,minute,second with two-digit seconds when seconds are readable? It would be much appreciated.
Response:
8,42
